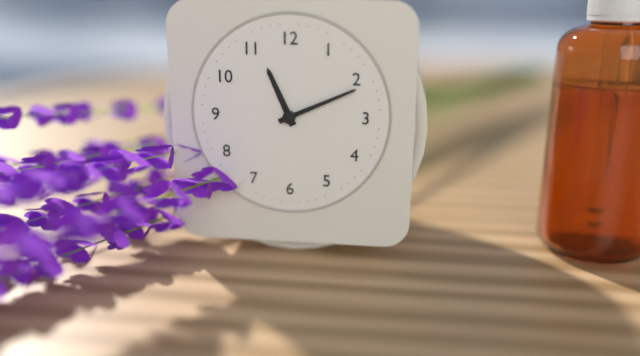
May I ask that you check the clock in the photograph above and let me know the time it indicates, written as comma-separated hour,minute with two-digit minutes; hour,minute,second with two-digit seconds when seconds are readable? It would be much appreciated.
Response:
11,11
